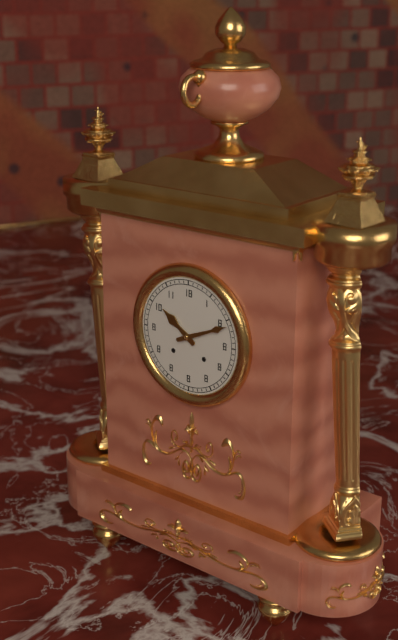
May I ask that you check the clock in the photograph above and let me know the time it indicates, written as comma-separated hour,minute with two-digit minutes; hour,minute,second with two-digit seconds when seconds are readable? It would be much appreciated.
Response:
10,11
